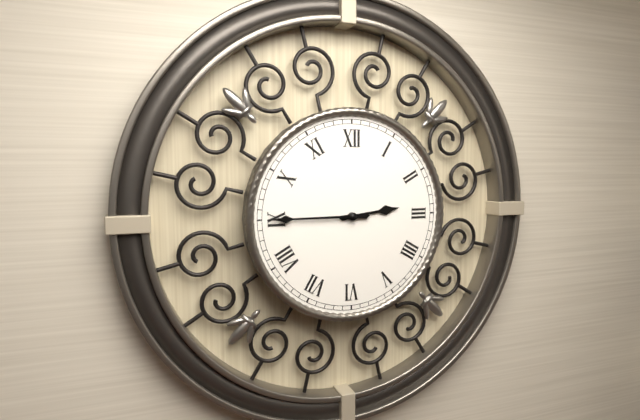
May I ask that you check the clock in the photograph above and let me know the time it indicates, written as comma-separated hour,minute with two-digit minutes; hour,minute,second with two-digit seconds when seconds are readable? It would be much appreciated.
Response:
2,45
